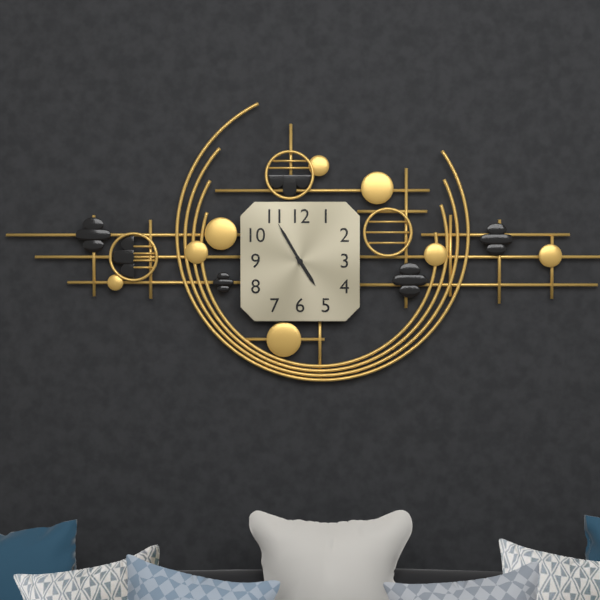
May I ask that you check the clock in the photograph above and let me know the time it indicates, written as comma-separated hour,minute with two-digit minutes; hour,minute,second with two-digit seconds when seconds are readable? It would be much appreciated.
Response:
4,55
